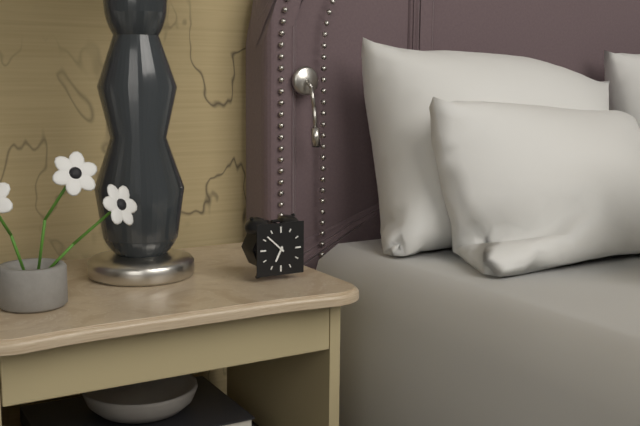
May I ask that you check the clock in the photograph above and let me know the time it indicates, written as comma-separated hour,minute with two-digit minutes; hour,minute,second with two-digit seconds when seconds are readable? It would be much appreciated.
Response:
6,52
